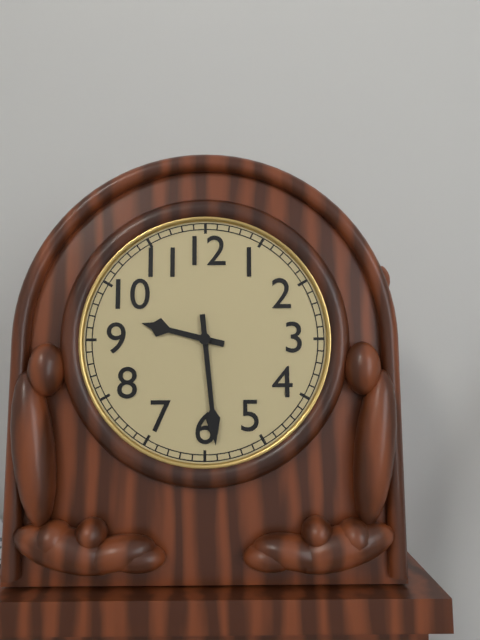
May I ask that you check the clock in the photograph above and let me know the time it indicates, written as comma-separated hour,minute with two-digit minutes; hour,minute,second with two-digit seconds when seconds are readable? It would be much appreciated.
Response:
9,29
